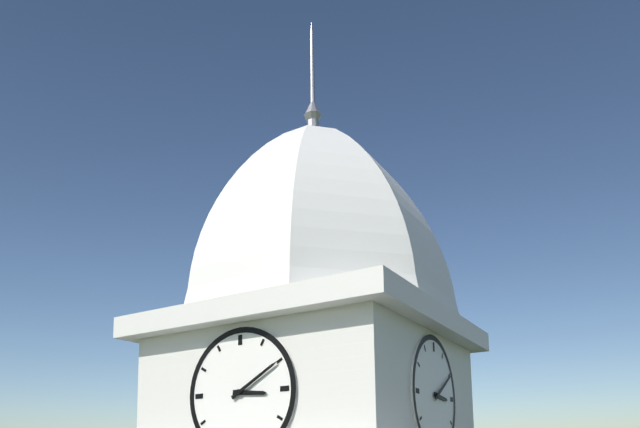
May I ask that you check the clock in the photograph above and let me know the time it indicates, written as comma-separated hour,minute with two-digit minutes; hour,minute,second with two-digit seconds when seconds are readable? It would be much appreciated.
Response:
3,10
